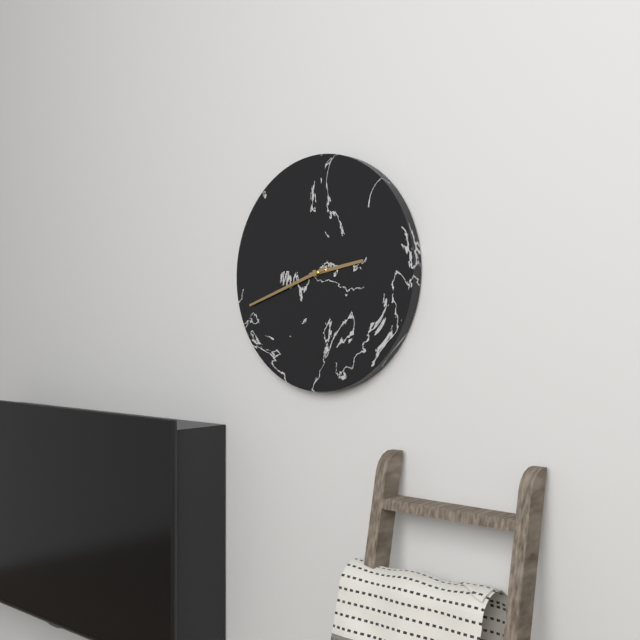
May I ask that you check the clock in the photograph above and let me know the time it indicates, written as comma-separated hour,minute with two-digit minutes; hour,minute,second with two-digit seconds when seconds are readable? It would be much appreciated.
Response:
2,42
